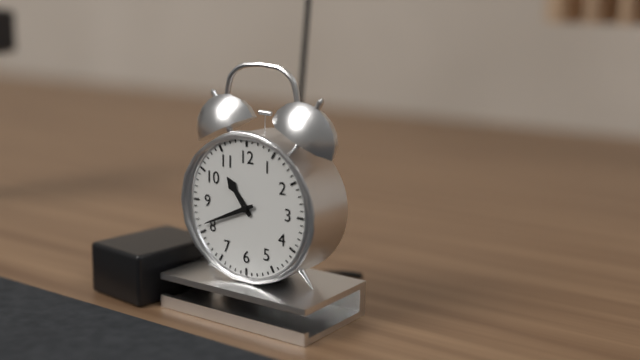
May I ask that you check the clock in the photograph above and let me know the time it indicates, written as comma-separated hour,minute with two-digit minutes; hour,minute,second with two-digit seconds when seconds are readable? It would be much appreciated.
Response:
10,41
